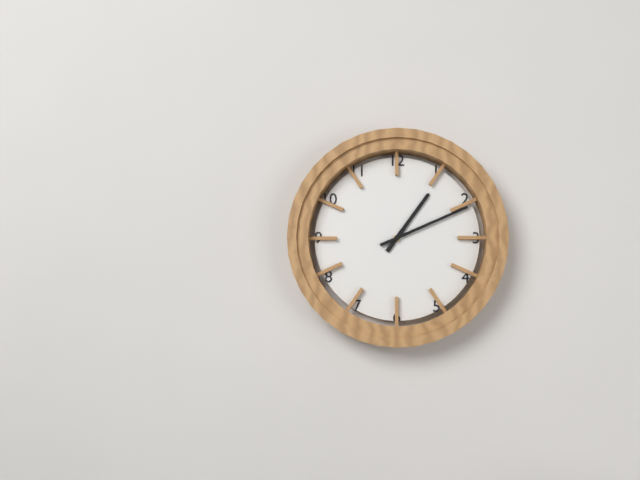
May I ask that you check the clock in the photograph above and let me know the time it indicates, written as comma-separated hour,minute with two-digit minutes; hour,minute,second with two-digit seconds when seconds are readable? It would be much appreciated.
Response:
1,11
